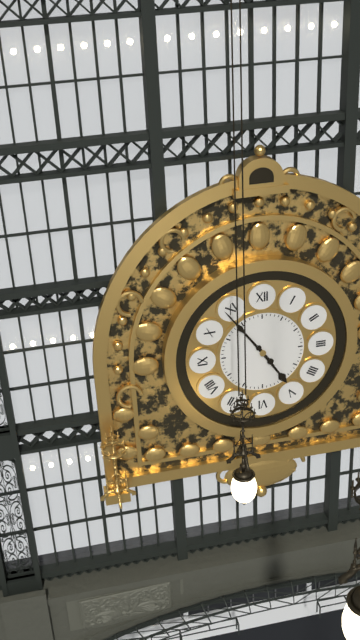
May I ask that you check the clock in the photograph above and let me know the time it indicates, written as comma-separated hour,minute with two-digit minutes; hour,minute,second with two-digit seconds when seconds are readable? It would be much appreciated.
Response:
4,54
